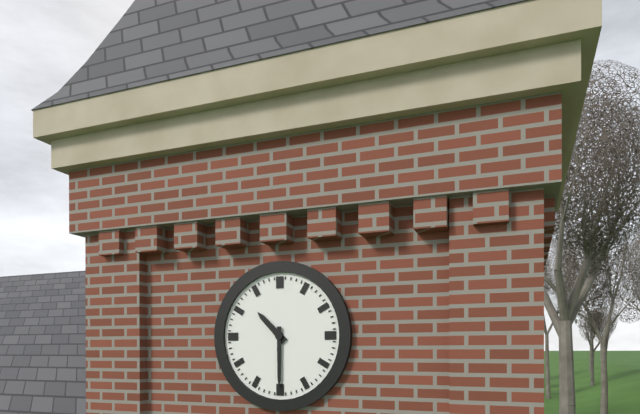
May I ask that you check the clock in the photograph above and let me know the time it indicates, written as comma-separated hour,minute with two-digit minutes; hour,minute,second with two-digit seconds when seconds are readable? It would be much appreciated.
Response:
10,30
